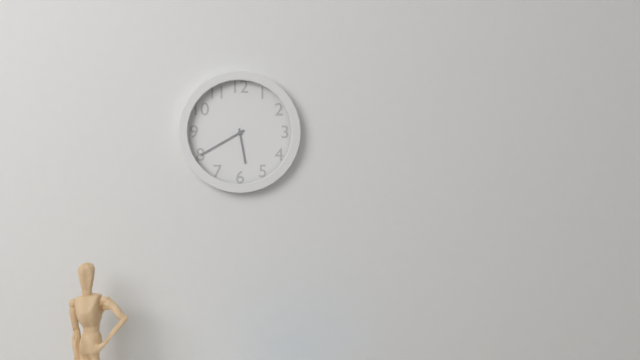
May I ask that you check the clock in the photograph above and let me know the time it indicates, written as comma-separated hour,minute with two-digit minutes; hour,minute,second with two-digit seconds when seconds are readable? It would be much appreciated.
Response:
5,40
